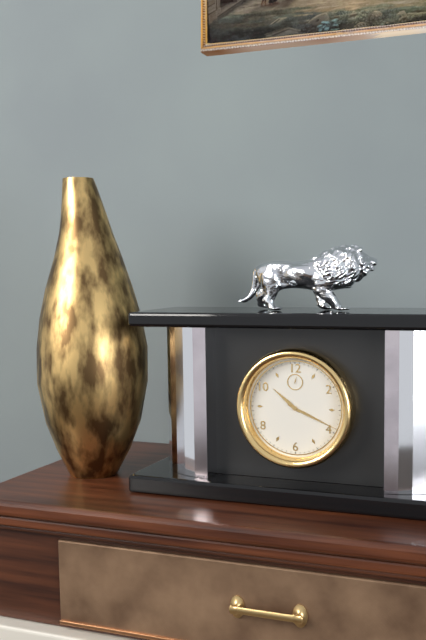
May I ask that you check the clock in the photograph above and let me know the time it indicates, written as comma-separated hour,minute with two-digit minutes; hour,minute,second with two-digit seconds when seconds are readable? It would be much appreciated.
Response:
10,19
